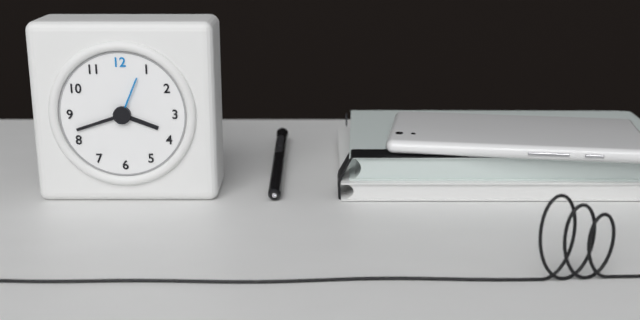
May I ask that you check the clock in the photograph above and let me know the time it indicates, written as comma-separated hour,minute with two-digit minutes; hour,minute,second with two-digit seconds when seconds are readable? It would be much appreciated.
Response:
3,42,04
